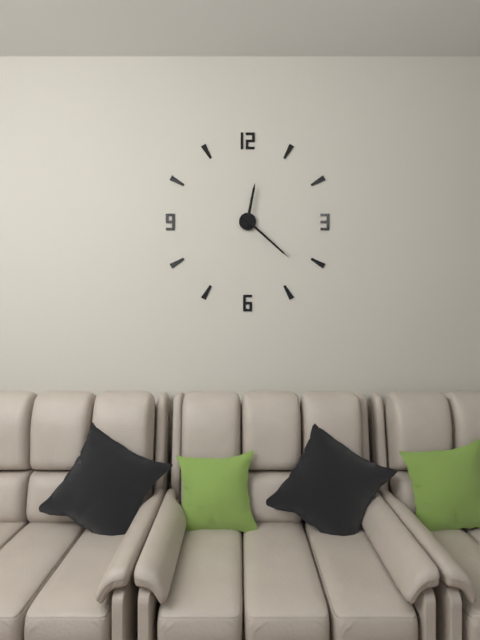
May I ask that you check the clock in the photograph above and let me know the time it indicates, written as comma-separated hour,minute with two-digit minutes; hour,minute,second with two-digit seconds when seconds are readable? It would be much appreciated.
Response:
12,22
